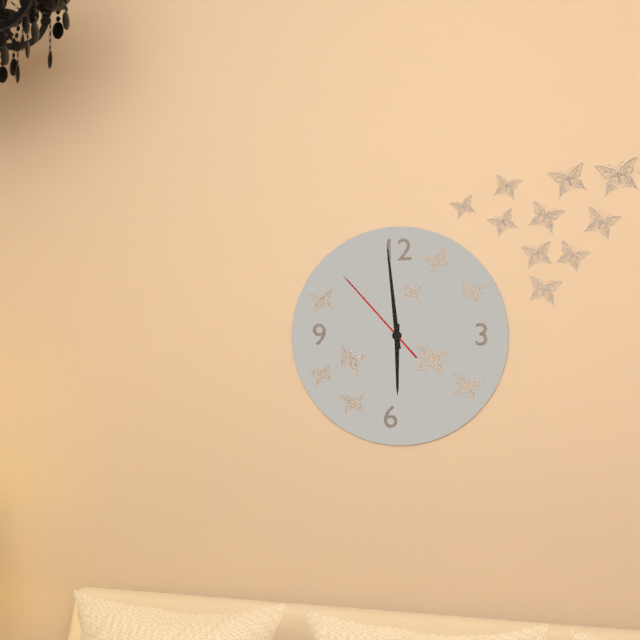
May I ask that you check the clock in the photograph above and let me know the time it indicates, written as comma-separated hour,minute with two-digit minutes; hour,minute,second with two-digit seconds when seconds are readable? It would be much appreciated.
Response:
5,59,53
